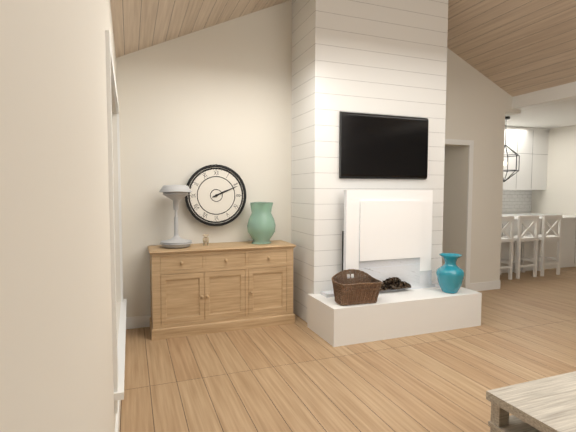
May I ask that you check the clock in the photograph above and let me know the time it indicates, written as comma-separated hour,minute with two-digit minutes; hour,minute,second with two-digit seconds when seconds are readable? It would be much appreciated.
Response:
2,11
